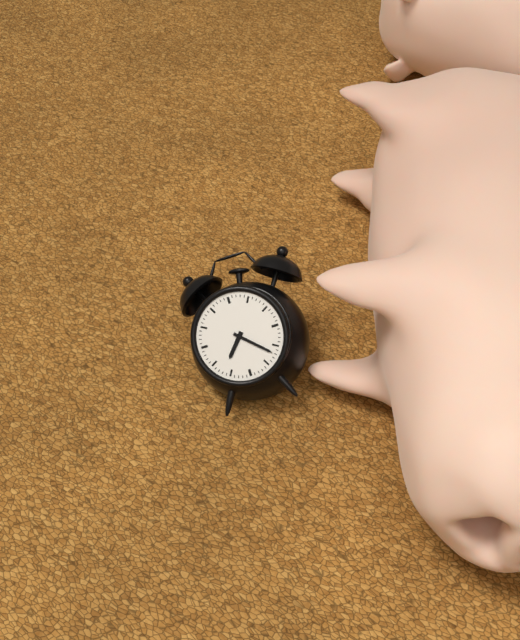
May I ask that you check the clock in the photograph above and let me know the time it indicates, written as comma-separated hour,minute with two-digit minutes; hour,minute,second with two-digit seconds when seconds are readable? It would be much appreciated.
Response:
7,22
